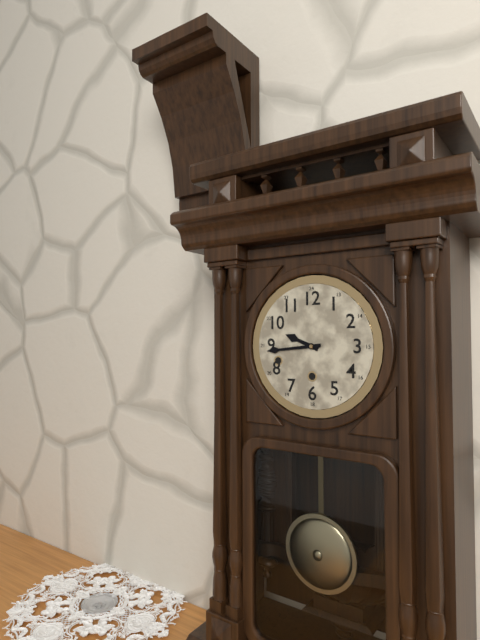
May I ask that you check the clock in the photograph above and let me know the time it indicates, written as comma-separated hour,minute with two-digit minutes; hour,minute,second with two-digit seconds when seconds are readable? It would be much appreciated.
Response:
9,44
